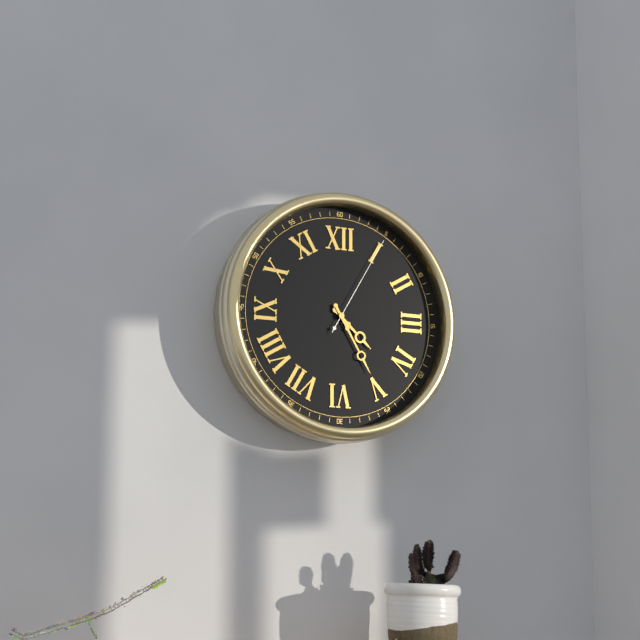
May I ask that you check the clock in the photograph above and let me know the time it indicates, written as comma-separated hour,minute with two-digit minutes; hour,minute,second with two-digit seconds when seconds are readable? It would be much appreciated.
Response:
4,25,05
